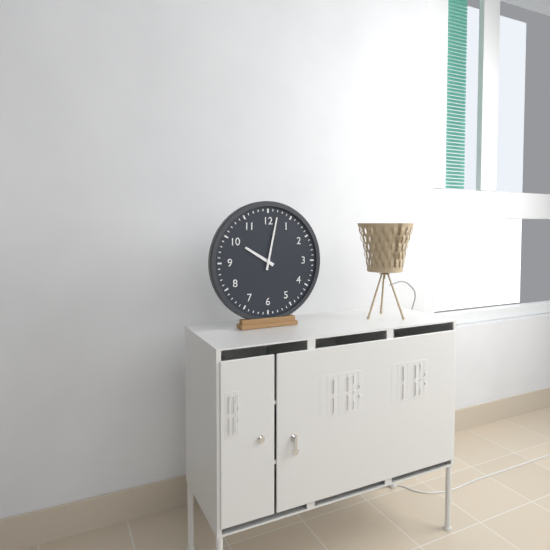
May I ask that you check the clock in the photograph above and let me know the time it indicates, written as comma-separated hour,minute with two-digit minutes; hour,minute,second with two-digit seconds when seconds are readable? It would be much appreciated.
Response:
10,02
